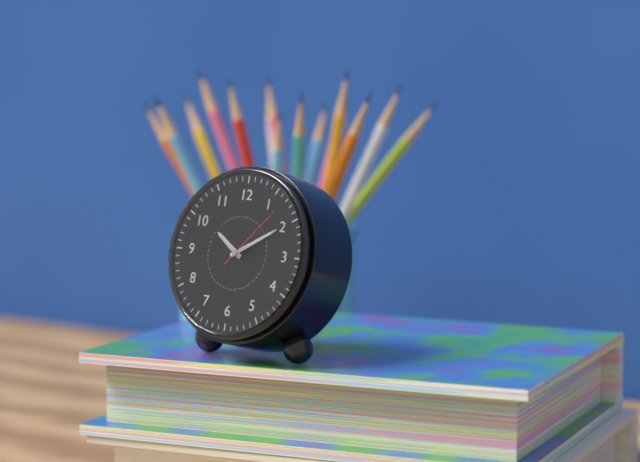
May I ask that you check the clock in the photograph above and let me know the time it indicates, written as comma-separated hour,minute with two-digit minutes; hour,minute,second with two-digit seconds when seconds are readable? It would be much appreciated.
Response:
10,10,07
